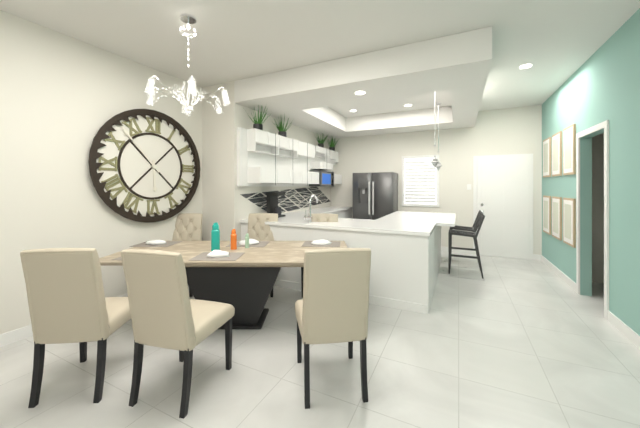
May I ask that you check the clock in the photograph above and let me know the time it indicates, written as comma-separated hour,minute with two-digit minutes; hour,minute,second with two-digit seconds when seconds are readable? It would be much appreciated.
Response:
5,53
